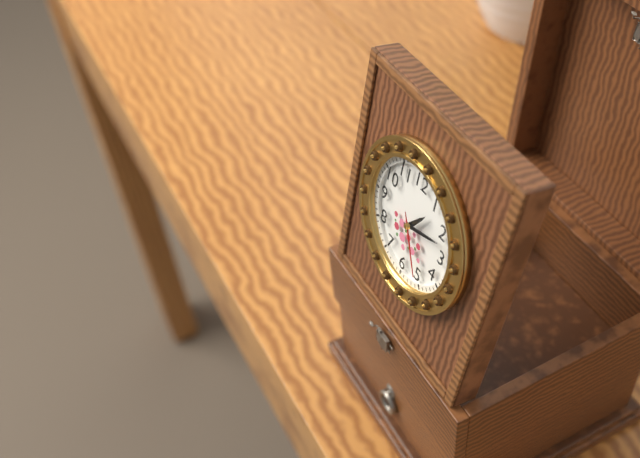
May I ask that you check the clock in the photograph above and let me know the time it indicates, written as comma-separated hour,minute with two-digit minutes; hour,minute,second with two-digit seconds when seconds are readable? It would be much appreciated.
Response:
1,12,25
